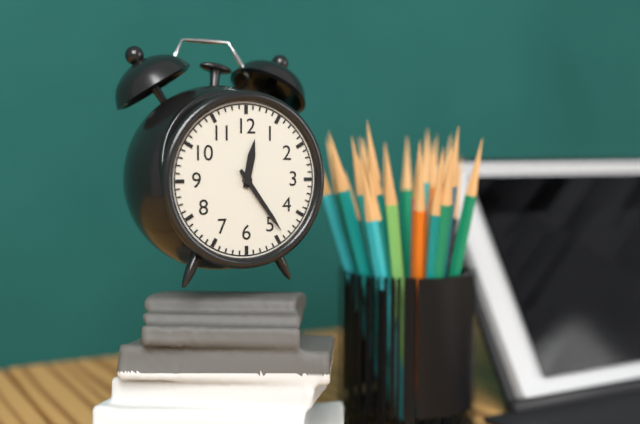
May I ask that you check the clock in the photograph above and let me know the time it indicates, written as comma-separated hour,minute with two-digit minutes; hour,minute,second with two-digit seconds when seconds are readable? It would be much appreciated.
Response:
12,24
